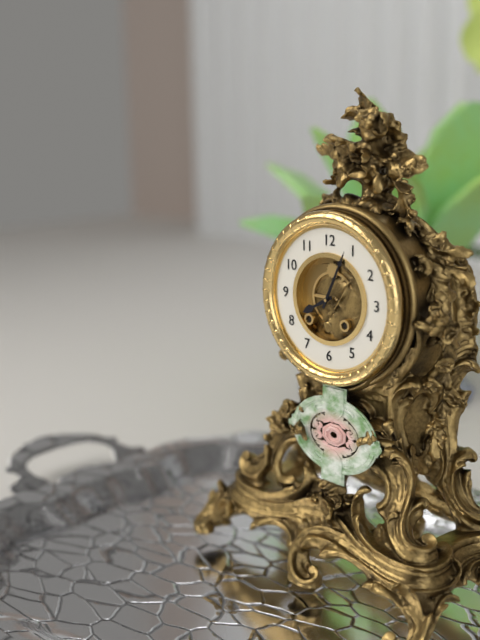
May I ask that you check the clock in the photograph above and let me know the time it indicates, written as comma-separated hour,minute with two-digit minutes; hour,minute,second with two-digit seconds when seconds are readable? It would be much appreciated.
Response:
8,04
